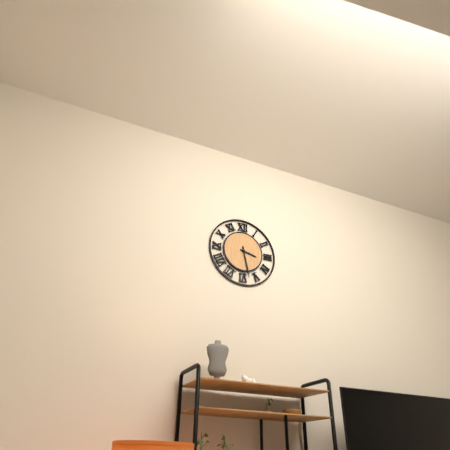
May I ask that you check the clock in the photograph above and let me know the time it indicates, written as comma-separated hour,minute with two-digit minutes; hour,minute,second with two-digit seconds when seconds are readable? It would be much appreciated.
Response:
3,28
